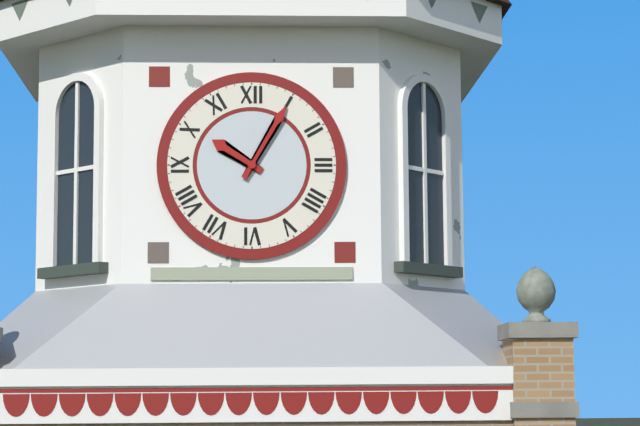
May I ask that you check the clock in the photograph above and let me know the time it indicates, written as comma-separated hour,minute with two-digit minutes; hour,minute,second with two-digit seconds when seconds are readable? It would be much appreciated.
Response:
10,05
